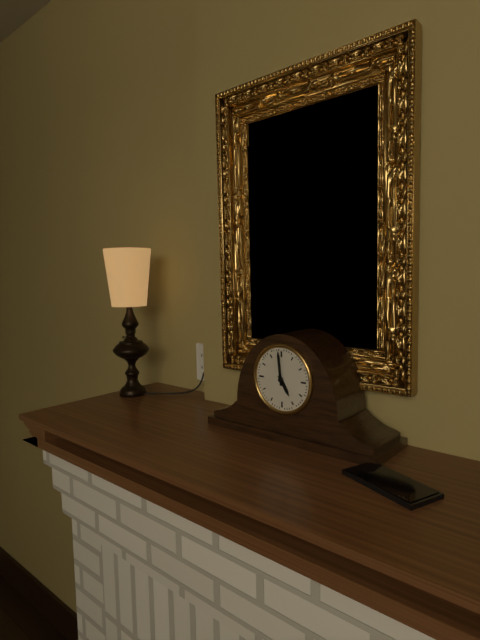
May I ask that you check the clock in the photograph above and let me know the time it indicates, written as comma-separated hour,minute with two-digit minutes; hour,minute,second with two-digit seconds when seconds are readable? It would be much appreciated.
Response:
4,59
